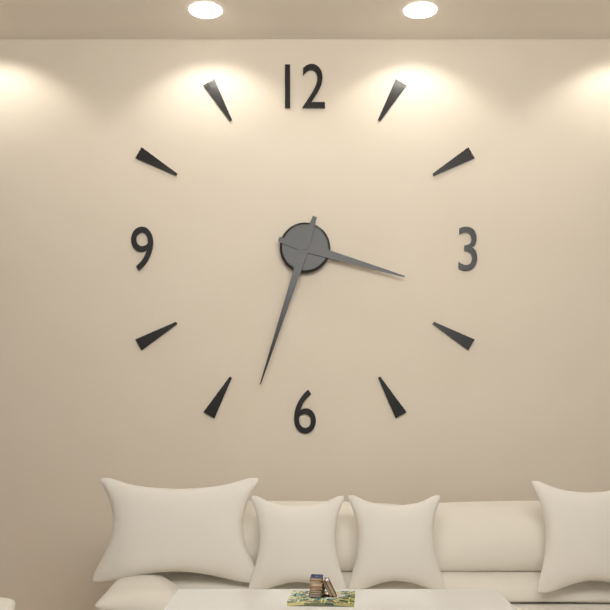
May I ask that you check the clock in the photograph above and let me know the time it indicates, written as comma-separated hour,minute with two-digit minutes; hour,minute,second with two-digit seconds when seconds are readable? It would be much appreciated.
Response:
3,33
